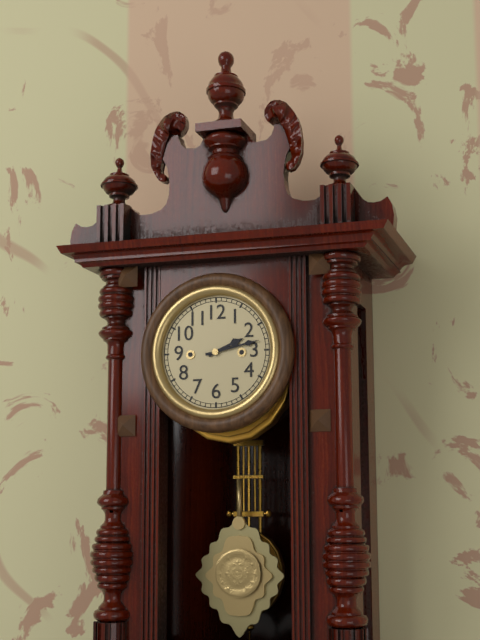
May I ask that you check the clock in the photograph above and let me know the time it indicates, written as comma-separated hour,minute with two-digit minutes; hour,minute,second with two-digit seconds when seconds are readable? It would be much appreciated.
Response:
2,13
